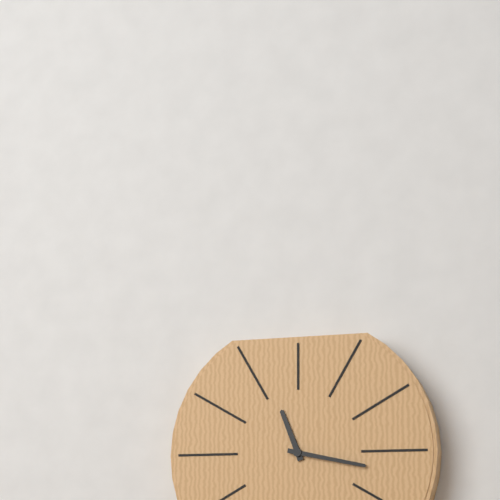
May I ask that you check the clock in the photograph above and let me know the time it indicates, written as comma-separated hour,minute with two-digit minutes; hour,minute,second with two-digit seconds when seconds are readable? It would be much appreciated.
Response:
11,17
